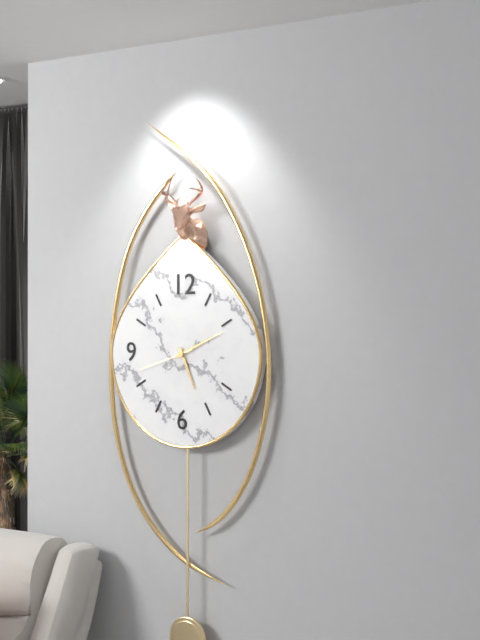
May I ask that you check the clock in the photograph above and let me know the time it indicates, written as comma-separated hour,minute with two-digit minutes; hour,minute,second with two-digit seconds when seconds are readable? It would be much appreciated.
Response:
5,11,42
